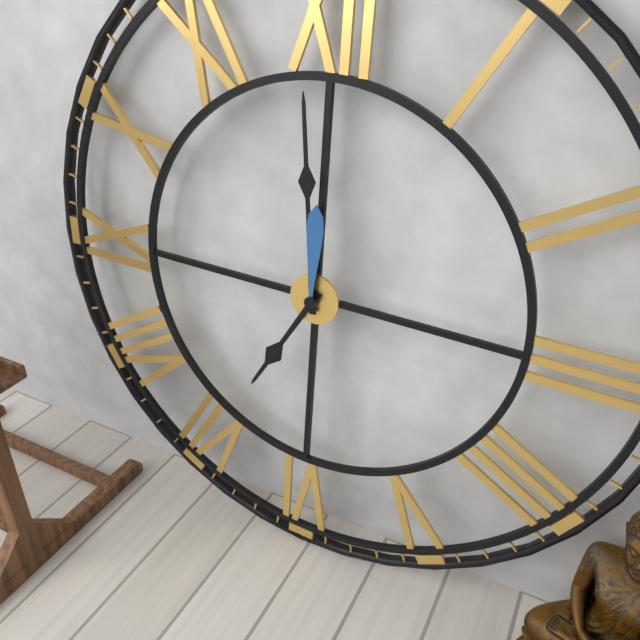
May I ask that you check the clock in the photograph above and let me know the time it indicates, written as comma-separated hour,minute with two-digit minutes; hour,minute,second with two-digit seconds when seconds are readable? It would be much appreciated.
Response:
6,59,00
